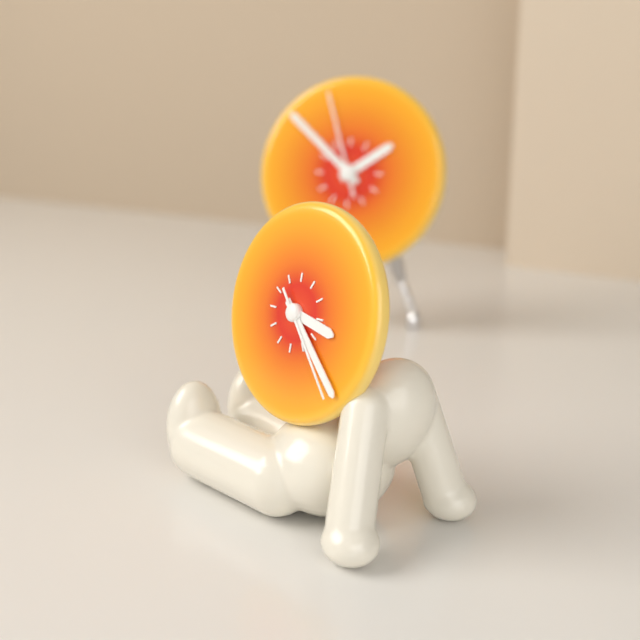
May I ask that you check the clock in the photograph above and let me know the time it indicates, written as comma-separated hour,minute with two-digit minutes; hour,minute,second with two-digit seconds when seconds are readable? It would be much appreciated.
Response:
3,22,23
